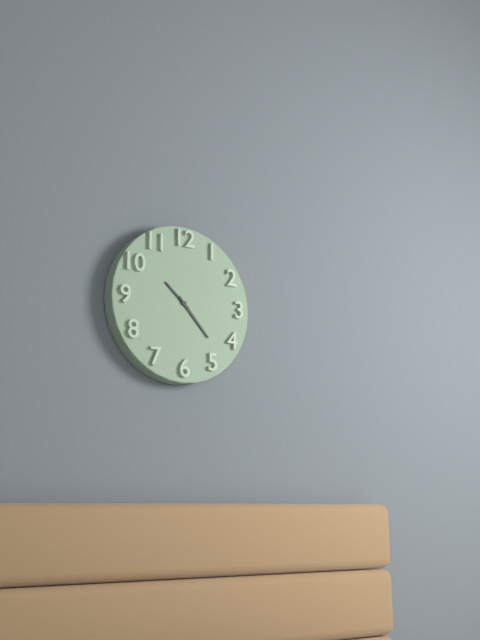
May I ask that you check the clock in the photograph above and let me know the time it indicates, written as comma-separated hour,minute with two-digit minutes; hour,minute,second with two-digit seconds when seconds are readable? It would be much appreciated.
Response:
10,23
